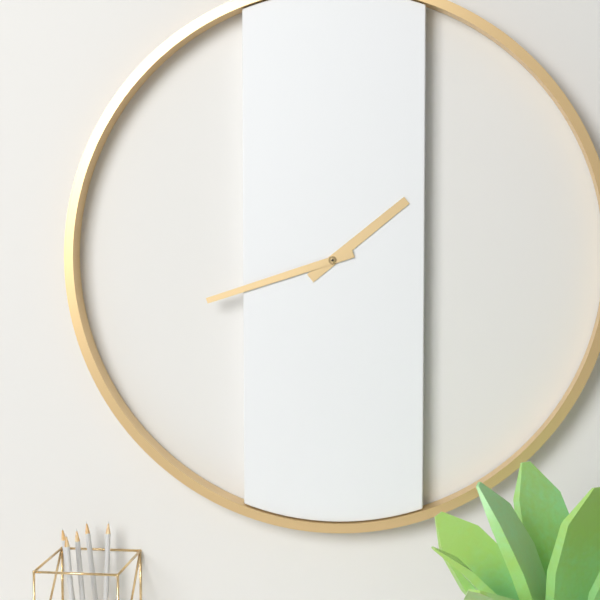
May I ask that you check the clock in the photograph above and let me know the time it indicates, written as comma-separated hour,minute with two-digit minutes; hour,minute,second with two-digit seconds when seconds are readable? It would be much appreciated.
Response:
1,42
